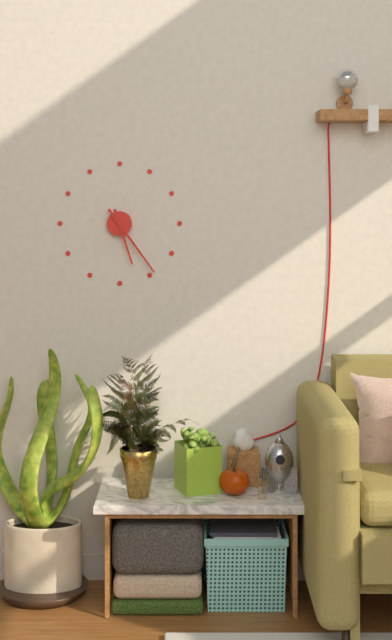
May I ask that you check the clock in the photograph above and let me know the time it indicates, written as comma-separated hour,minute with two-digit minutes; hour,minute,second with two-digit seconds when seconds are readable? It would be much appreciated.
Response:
5,24
